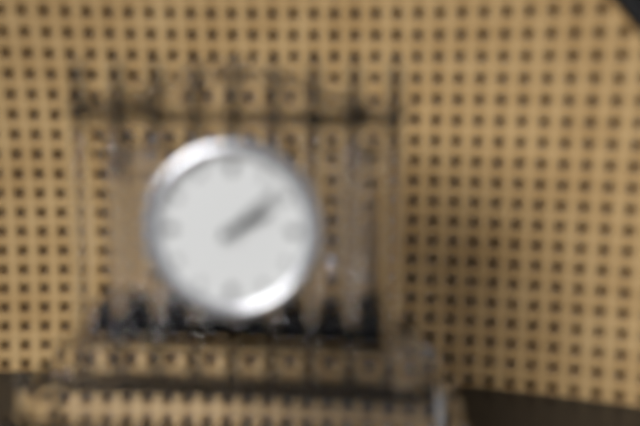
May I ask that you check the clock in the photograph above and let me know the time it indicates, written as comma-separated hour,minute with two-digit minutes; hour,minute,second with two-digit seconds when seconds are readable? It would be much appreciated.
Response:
2,08
